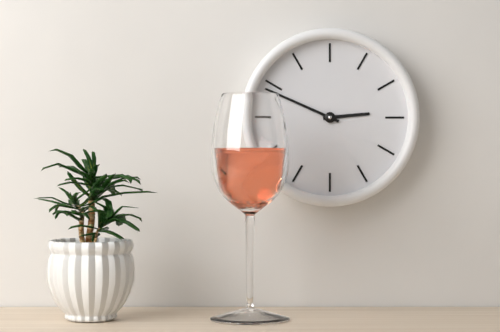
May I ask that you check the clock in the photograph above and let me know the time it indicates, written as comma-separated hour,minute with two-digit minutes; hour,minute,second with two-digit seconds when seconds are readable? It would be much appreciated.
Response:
2,49
